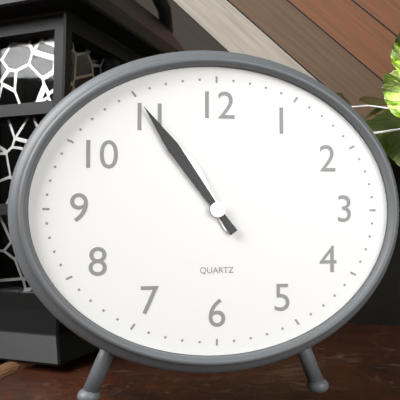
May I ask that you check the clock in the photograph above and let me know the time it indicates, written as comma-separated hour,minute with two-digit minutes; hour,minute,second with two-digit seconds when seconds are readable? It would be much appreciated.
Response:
10,54
